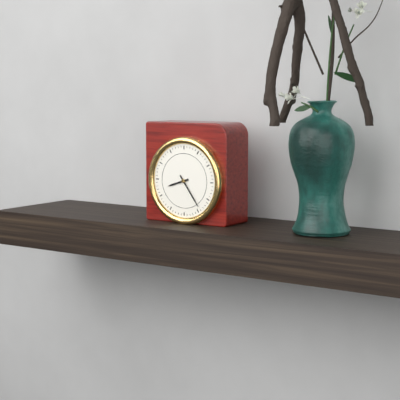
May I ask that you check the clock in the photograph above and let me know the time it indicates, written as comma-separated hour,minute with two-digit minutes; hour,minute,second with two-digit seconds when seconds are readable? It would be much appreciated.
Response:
8,24
